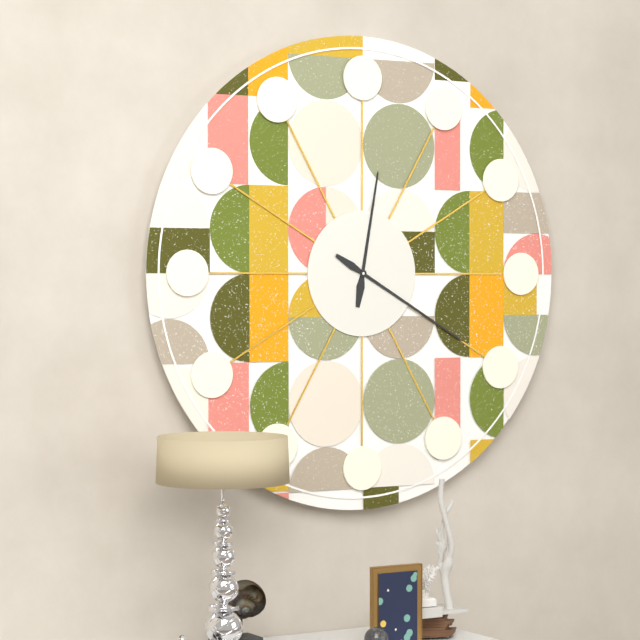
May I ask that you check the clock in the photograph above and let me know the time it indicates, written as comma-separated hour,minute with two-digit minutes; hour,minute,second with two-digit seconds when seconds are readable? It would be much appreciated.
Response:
12,20
